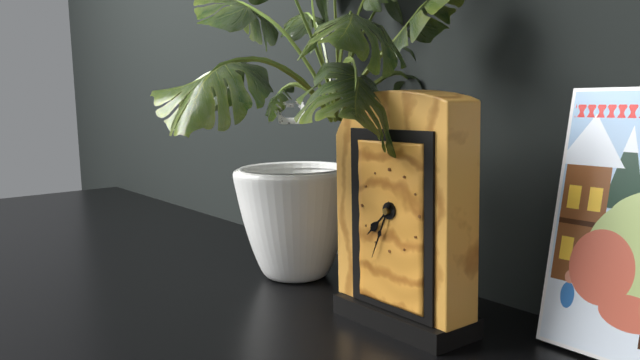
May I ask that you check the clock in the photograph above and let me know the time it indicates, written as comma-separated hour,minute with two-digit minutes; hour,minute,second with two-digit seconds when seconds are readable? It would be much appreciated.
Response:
7,34
